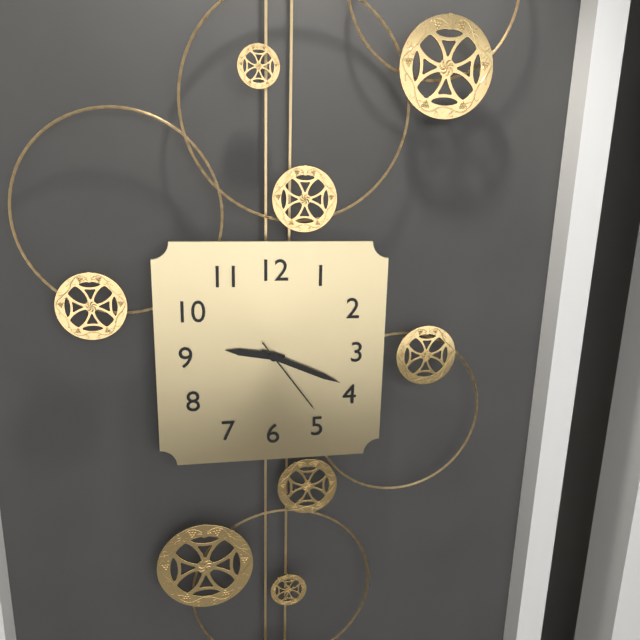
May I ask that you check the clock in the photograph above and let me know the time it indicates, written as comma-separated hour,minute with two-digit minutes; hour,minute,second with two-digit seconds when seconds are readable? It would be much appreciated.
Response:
9,19,24
